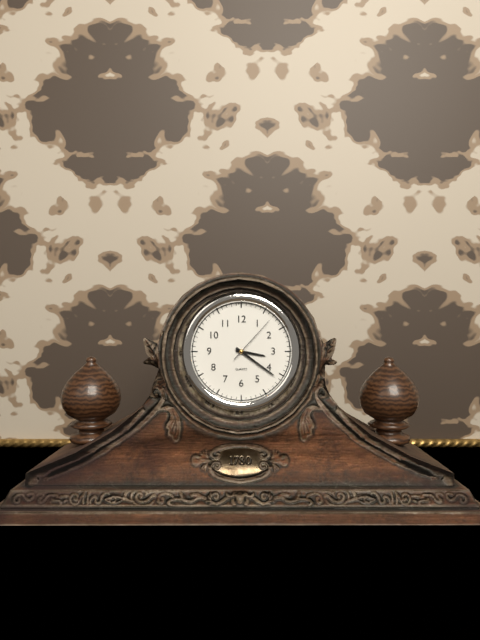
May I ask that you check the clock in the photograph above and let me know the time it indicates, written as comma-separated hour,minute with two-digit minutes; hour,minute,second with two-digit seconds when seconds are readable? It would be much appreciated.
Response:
3,21,07
